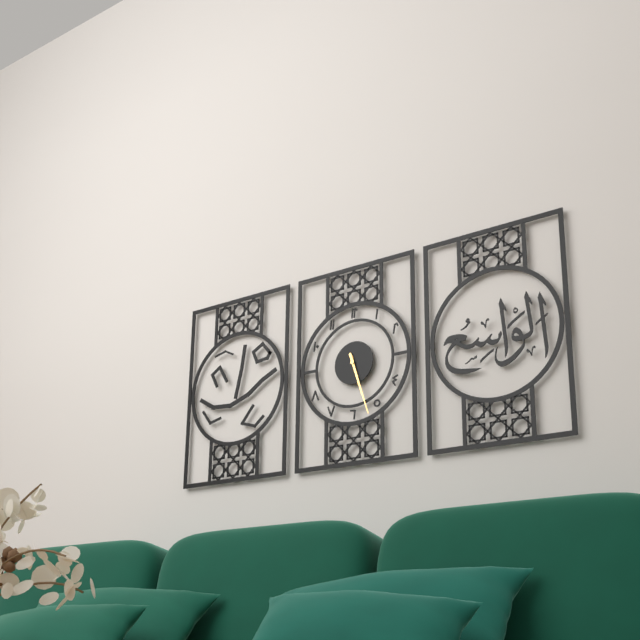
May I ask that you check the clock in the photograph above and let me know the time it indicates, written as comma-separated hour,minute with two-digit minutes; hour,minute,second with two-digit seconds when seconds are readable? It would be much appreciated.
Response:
5,27
